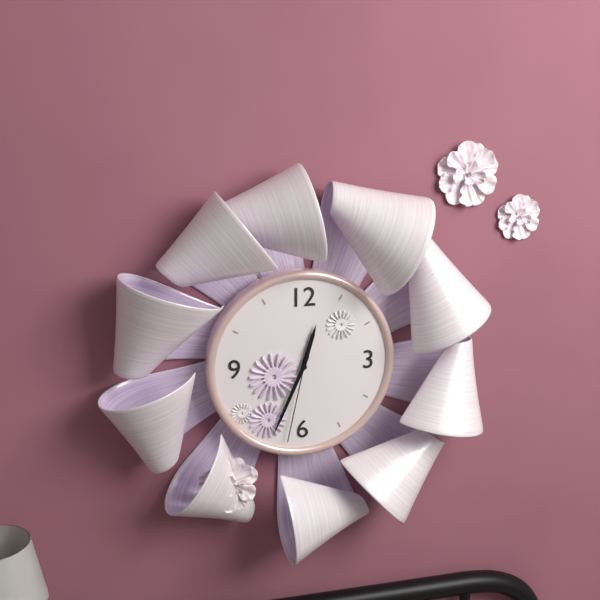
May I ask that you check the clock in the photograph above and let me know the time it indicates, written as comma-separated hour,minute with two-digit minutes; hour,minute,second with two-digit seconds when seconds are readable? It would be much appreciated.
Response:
12,34,32
